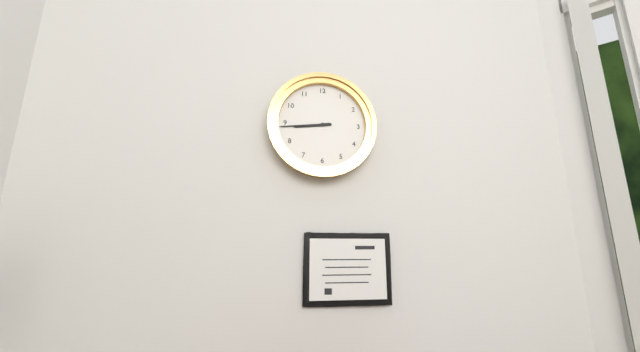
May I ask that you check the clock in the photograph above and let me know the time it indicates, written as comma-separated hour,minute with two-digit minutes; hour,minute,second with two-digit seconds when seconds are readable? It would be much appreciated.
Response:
8,44
